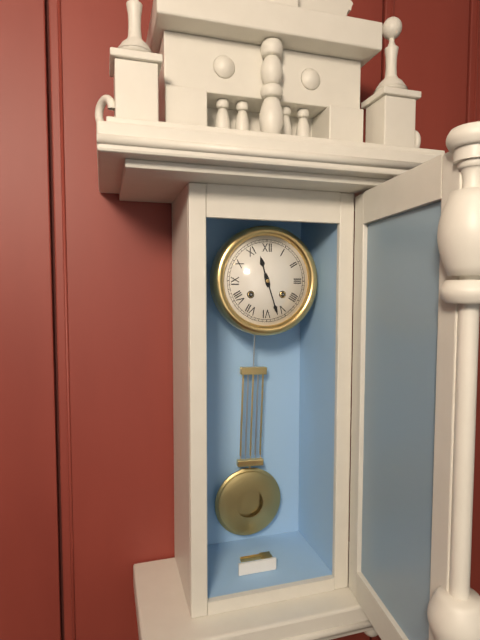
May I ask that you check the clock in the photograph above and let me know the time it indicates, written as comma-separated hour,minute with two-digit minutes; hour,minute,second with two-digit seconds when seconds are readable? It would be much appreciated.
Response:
11,27
